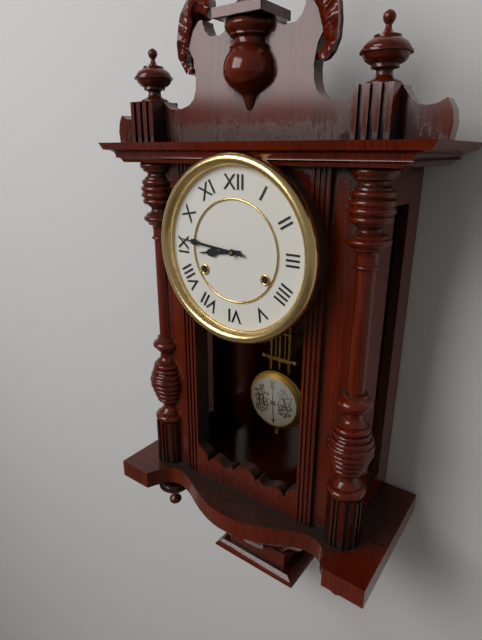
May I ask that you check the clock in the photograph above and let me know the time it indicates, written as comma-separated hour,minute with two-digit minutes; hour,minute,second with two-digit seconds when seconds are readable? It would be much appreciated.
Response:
8,46
